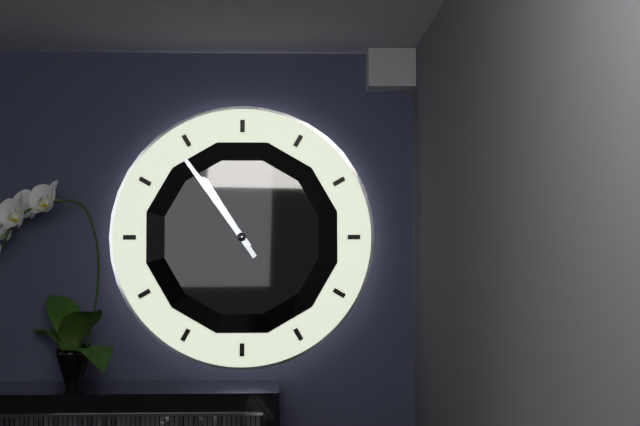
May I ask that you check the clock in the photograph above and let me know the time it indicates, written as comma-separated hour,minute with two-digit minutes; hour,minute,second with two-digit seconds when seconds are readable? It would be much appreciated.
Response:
10,54
